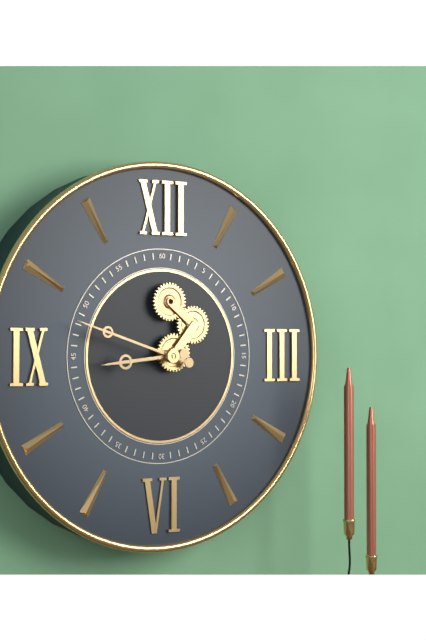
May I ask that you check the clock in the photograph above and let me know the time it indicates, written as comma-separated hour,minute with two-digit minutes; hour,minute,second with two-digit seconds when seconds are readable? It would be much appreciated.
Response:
8,48
